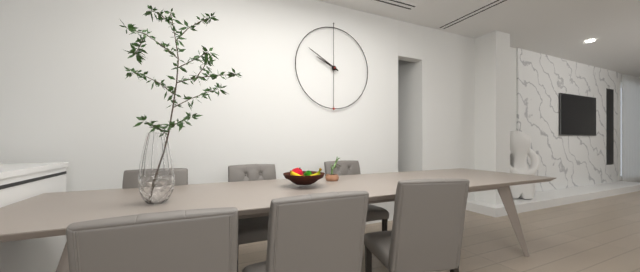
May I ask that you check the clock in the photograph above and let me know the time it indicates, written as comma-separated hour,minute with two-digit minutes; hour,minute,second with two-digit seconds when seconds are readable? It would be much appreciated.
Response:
9,50
